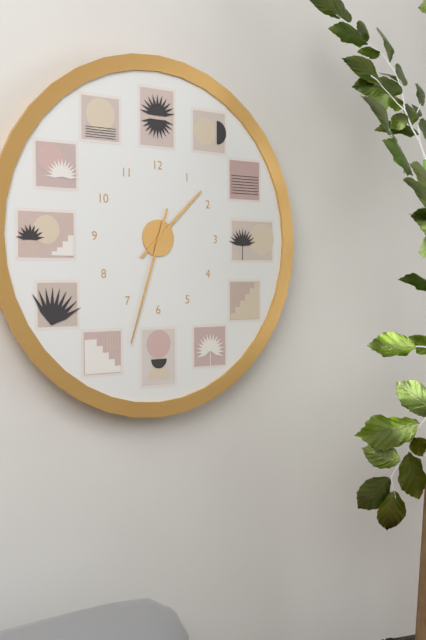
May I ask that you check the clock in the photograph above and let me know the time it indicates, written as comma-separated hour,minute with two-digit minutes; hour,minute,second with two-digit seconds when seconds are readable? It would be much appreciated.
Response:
1,33
